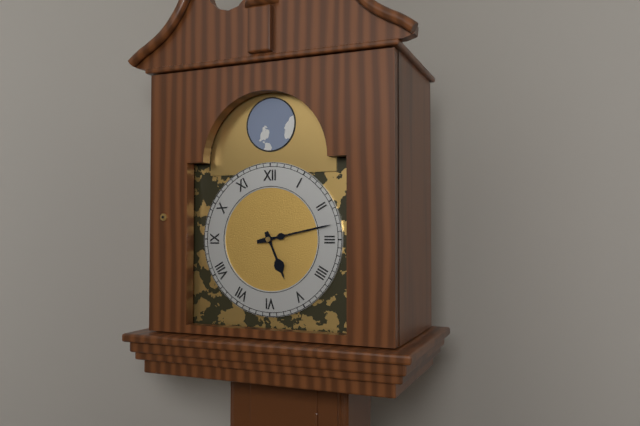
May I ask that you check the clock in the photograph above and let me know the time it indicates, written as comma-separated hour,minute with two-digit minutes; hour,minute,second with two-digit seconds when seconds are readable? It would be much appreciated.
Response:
5,13
